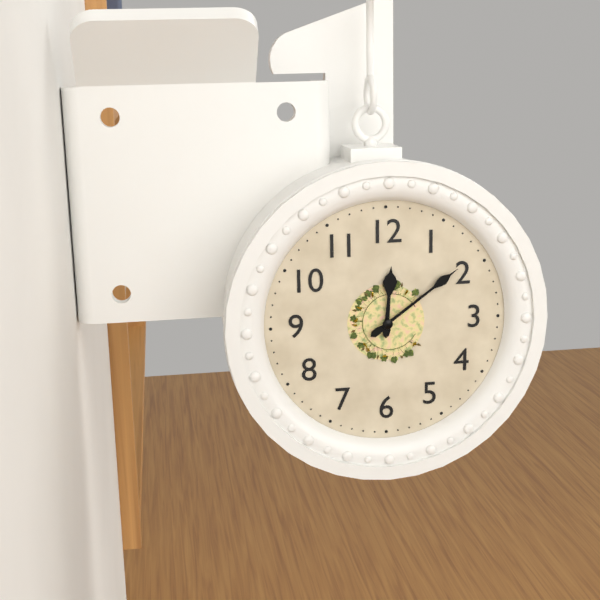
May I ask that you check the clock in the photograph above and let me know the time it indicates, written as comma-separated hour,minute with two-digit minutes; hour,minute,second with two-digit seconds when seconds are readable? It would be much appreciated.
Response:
12,09
